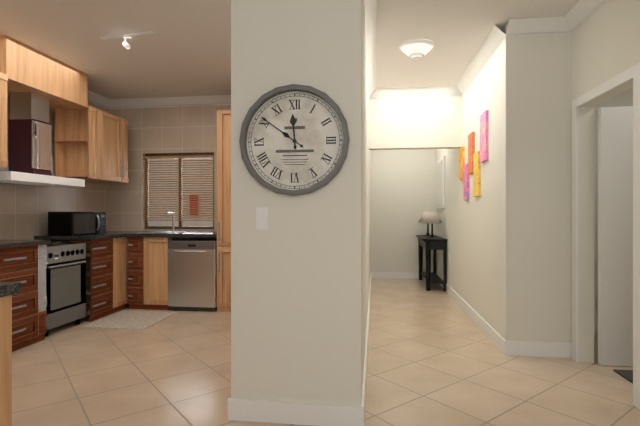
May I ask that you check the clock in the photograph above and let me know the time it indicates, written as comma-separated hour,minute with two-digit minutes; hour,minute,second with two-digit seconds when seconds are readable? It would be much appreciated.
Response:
11,51
